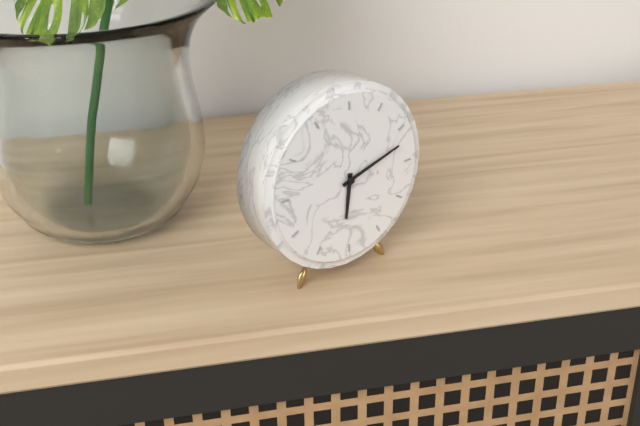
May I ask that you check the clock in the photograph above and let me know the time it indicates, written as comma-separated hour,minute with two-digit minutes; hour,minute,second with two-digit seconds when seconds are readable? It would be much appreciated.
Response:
6,12
